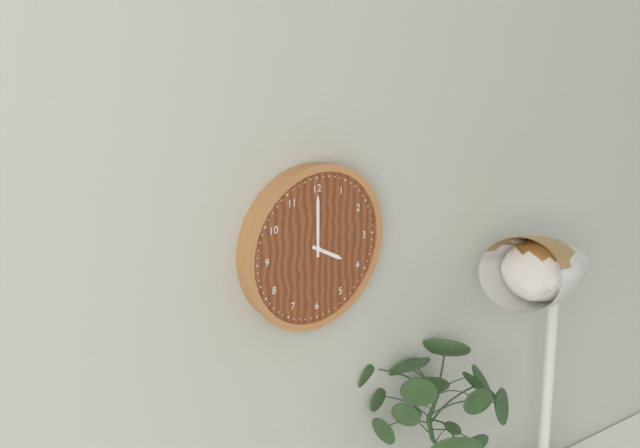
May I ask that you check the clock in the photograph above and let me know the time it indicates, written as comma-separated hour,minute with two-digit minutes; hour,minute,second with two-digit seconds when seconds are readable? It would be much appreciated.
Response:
4,00
